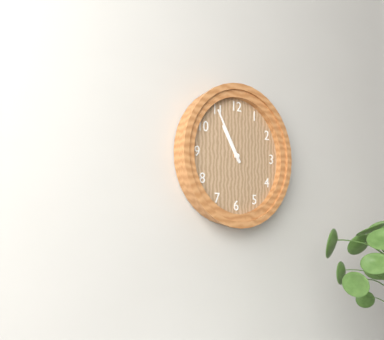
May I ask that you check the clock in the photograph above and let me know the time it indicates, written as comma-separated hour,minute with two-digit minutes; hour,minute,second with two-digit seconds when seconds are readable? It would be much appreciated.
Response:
10,55
